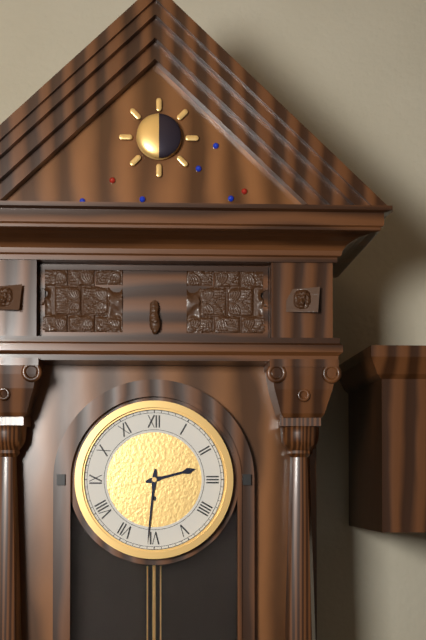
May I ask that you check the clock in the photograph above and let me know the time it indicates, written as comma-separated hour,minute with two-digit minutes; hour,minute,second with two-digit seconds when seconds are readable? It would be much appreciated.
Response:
2,31
